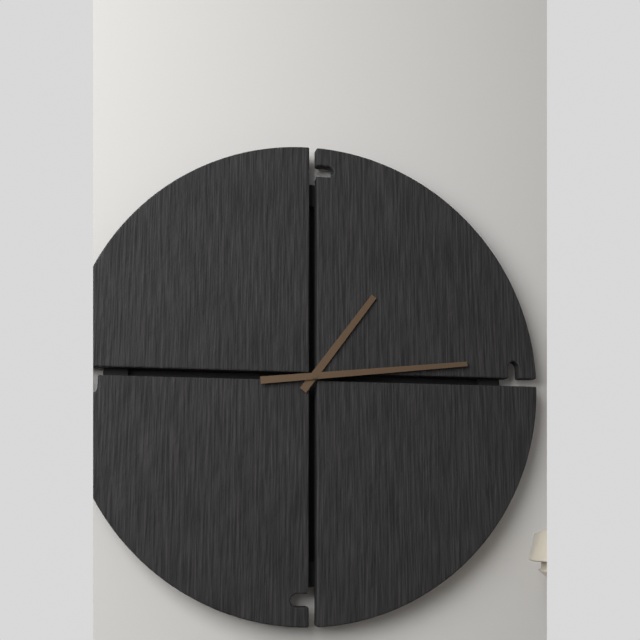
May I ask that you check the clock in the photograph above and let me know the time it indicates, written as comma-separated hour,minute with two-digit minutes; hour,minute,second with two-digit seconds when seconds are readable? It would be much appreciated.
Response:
1,14
